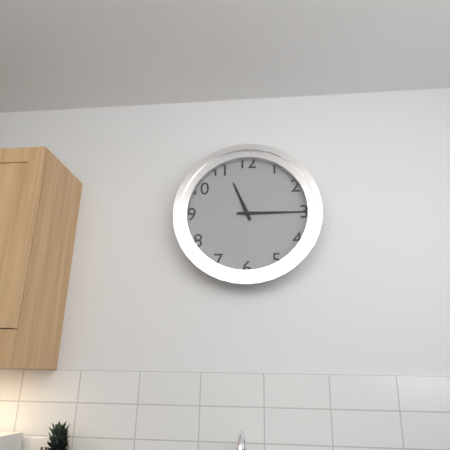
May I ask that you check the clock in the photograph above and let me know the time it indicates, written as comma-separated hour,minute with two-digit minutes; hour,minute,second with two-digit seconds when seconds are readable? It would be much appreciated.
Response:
11,15
